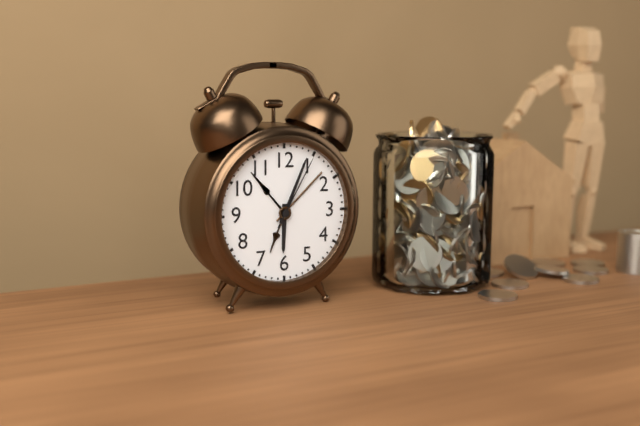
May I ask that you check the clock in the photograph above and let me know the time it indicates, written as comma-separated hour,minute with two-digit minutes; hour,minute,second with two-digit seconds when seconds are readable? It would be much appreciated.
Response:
6,04,05
